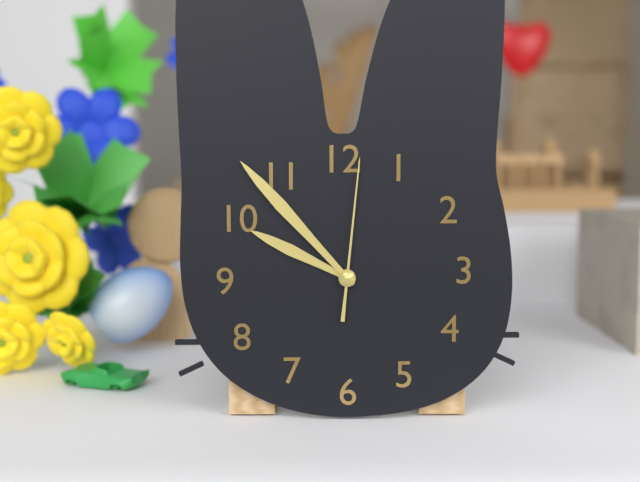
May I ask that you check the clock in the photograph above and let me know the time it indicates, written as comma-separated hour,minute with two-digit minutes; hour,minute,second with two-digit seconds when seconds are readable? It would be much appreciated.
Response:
9,53,01
